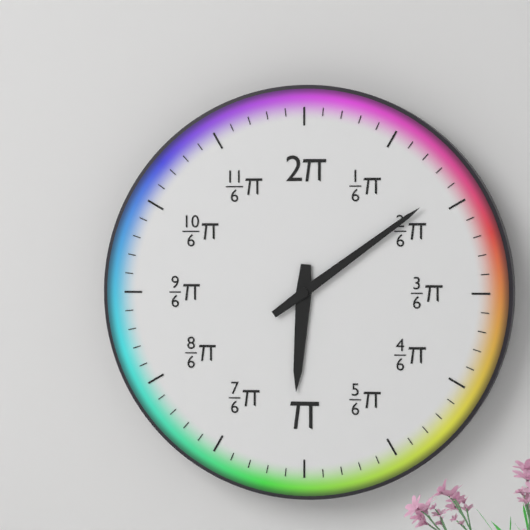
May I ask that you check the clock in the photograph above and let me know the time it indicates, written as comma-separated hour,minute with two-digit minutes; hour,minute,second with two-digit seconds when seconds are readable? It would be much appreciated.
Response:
6,09
